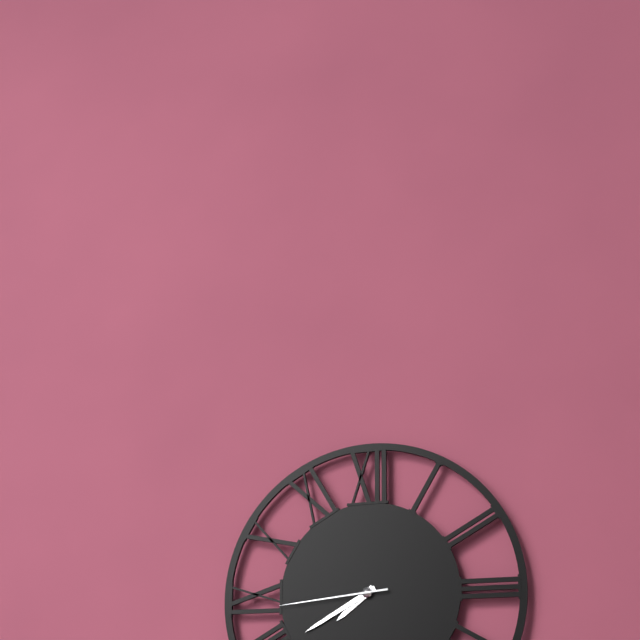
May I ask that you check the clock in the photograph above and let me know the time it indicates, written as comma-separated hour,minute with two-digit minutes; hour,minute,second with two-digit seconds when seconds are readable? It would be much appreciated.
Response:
7,40,44
